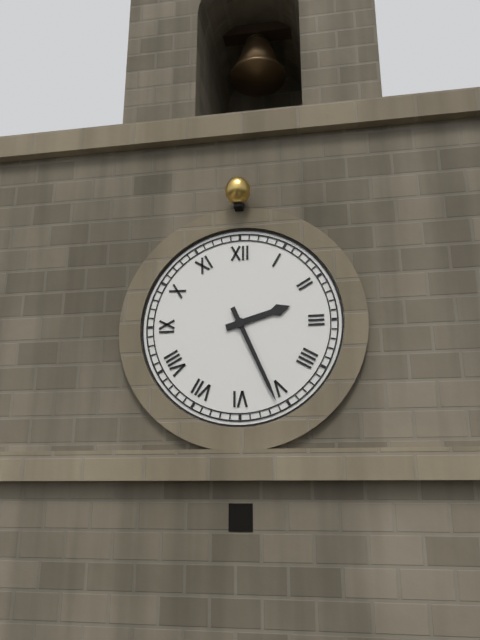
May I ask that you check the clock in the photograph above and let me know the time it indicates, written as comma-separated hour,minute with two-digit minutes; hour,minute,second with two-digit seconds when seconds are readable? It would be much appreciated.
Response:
2,26
